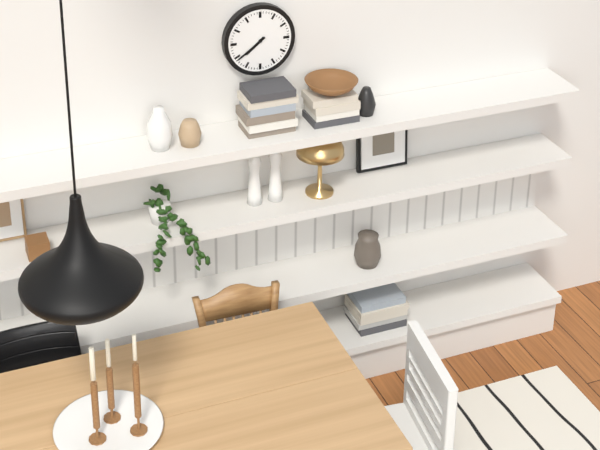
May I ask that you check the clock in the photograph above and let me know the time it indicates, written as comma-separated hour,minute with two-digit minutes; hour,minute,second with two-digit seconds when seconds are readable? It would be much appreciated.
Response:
7,39
